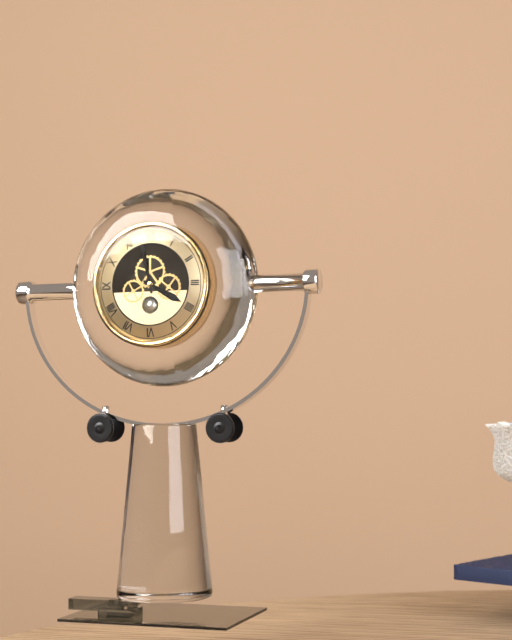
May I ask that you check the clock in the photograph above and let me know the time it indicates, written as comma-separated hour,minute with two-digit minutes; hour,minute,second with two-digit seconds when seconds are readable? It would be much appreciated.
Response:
3,58
